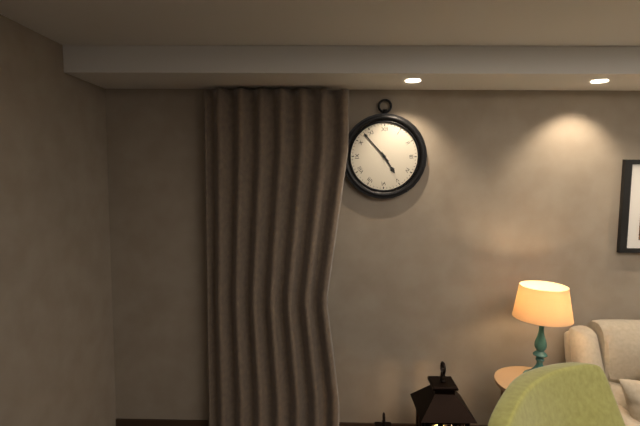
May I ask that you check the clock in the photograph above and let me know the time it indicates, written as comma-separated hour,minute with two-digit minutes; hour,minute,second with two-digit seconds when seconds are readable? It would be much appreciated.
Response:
4,53
